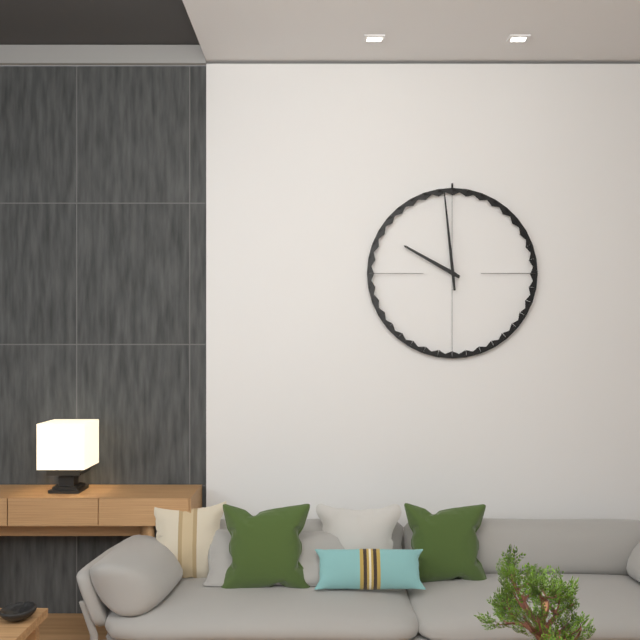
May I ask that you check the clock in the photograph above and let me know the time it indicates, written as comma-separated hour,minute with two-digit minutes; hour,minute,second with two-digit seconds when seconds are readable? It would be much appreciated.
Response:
9,59
